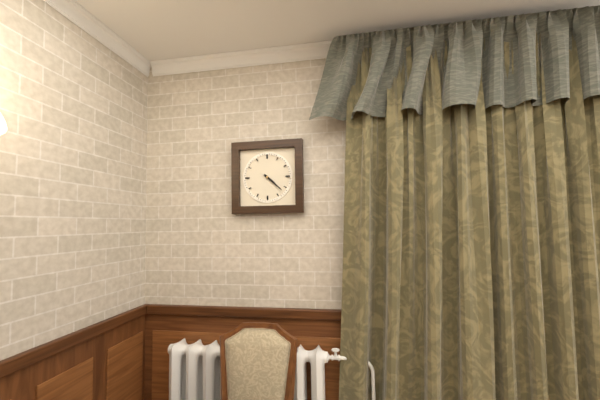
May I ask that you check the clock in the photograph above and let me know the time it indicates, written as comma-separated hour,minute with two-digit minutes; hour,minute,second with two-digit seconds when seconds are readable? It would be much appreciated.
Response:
4,22
